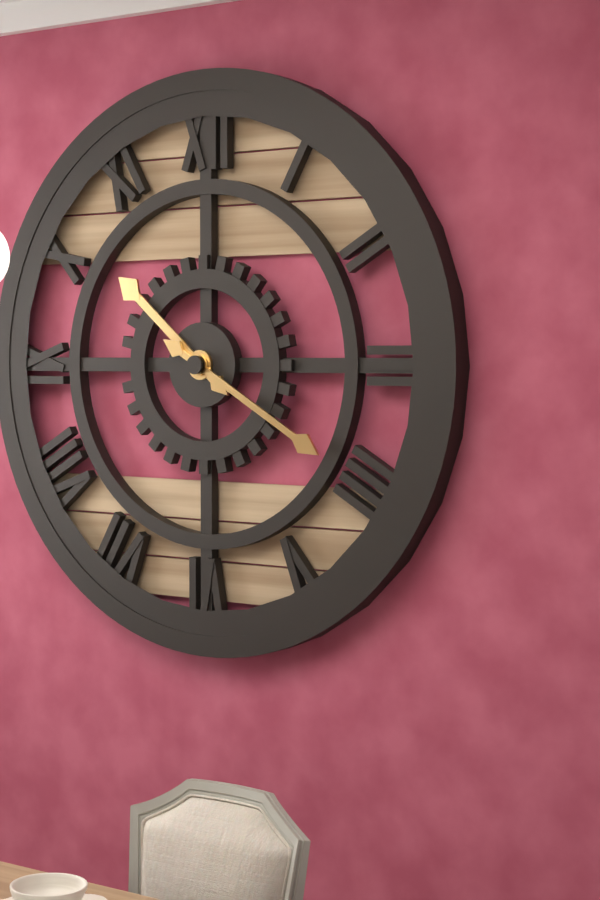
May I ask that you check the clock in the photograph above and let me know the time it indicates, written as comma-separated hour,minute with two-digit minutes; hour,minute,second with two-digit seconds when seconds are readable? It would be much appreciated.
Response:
10,20
